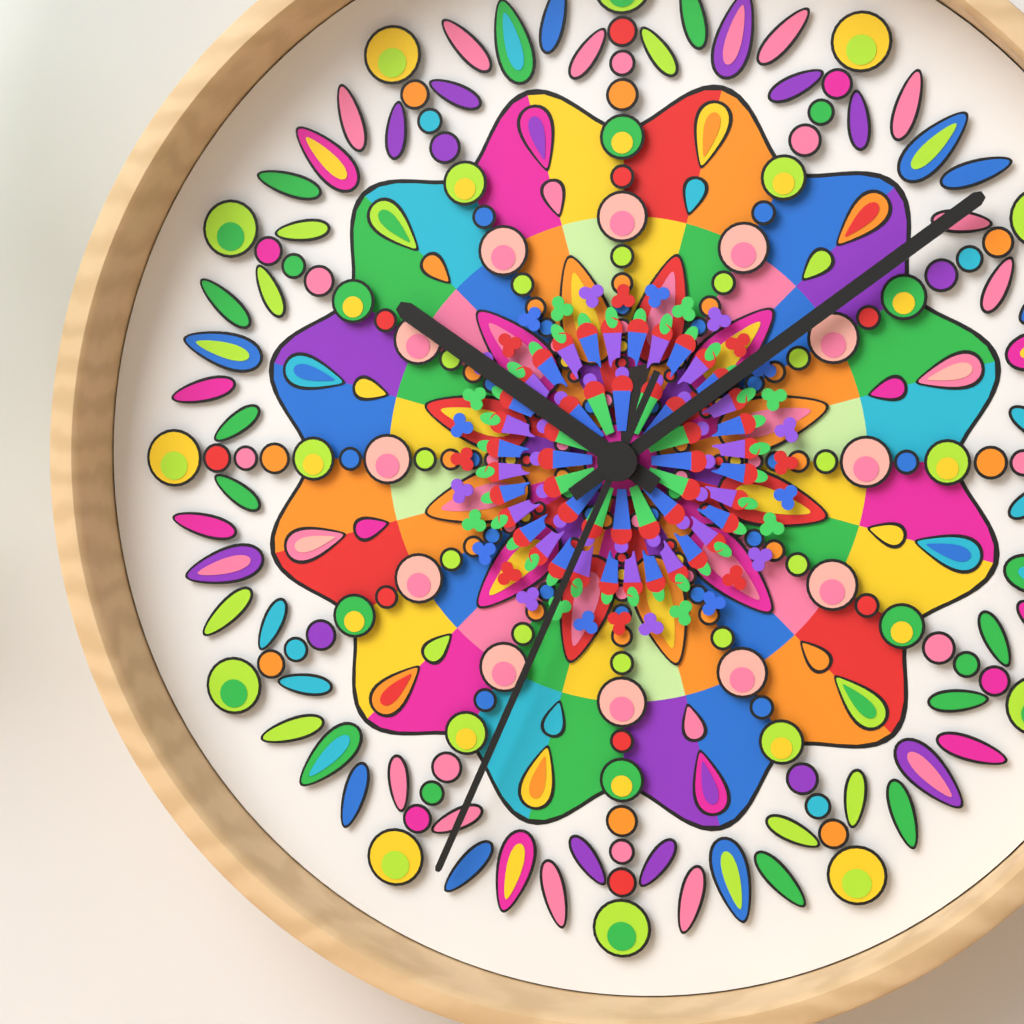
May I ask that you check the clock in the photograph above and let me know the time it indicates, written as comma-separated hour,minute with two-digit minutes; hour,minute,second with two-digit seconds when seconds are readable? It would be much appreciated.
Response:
10,09,34
